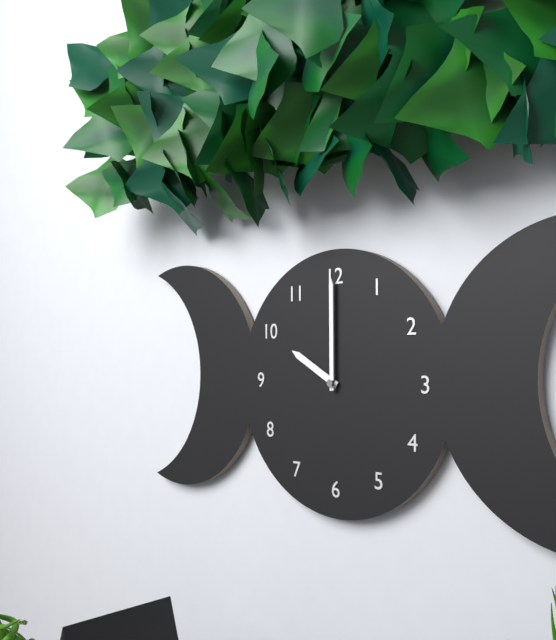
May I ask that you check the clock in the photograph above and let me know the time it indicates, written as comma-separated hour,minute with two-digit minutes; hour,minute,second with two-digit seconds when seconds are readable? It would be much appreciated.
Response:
10,00
